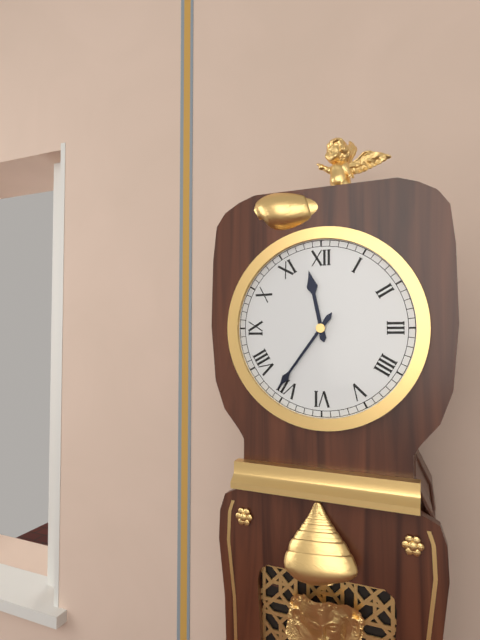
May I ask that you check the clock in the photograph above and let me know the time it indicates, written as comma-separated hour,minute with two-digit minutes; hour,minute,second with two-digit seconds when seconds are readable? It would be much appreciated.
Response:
11,36
